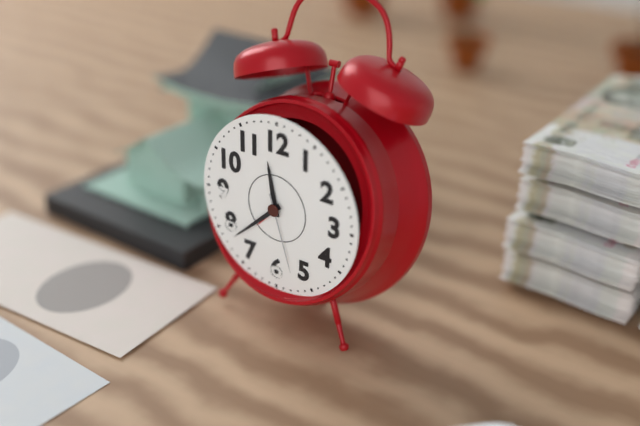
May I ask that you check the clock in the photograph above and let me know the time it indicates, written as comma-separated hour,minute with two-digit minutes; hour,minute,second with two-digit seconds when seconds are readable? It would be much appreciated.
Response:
11,38,27
